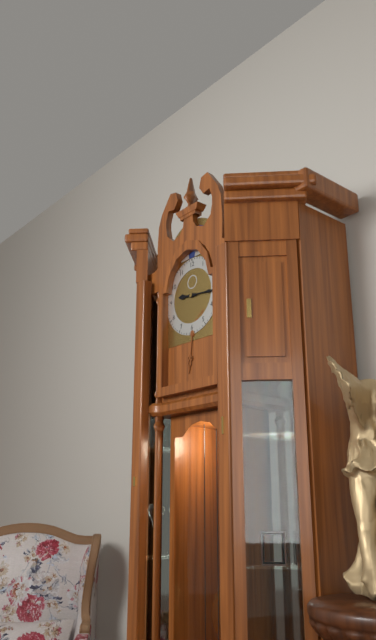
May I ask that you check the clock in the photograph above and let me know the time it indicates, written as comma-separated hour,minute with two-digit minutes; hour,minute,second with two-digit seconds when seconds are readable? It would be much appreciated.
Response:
9,16
